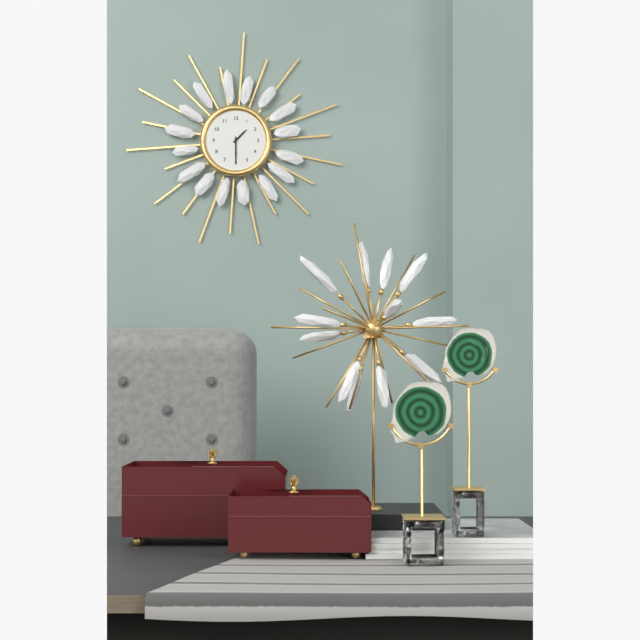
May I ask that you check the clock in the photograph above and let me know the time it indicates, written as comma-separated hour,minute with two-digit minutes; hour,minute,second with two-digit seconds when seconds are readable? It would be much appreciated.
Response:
1,30
